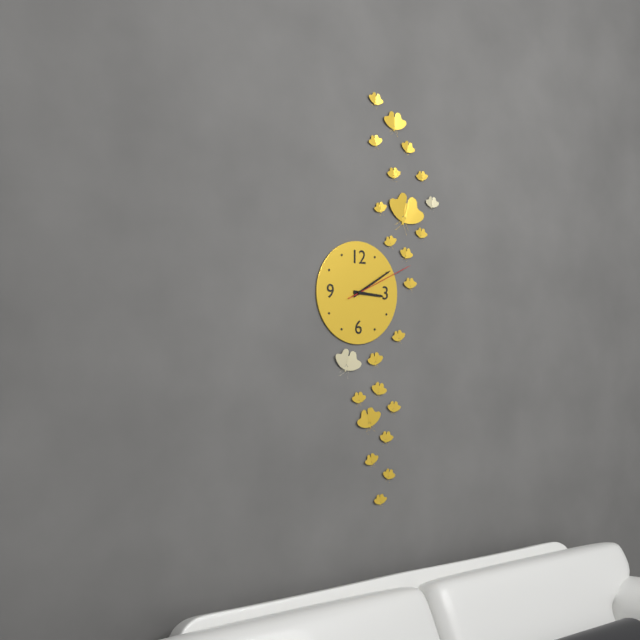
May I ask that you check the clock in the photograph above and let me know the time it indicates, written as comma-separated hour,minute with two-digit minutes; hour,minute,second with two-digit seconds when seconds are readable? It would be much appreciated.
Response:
3,10,11
